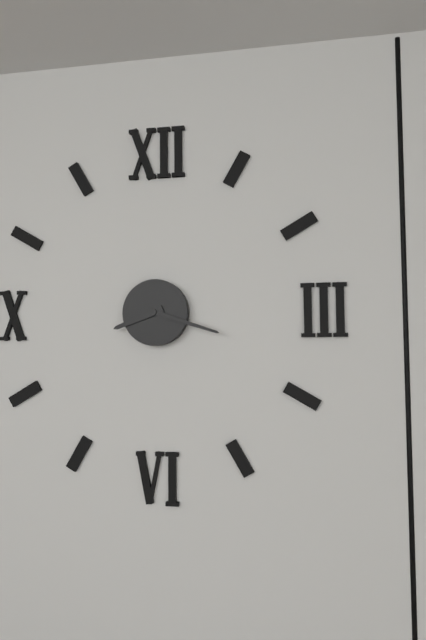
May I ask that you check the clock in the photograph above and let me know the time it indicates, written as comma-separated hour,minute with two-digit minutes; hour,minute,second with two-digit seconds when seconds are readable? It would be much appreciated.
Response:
8,18
